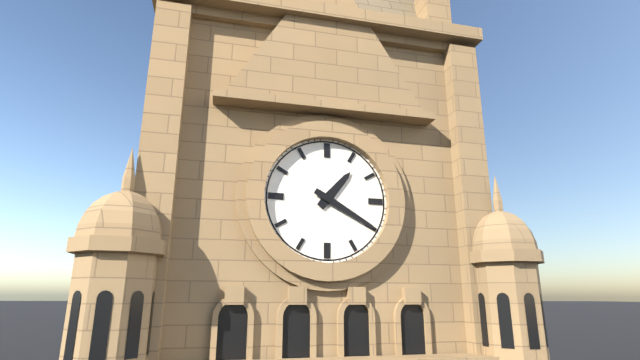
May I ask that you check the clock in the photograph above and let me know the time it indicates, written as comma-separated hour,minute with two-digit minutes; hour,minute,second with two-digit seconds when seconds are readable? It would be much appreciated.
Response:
1,20
